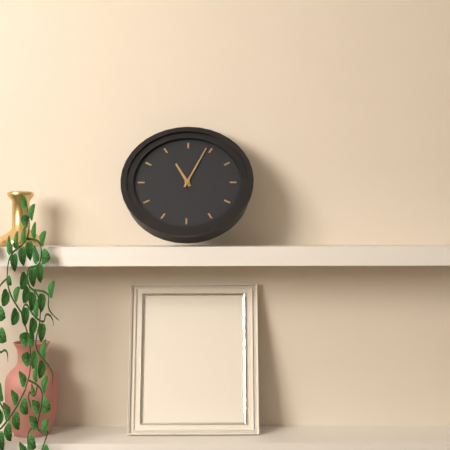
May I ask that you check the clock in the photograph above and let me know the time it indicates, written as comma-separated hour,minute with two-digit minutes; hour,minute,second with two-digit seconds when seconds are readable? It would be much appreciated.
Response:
11,04
